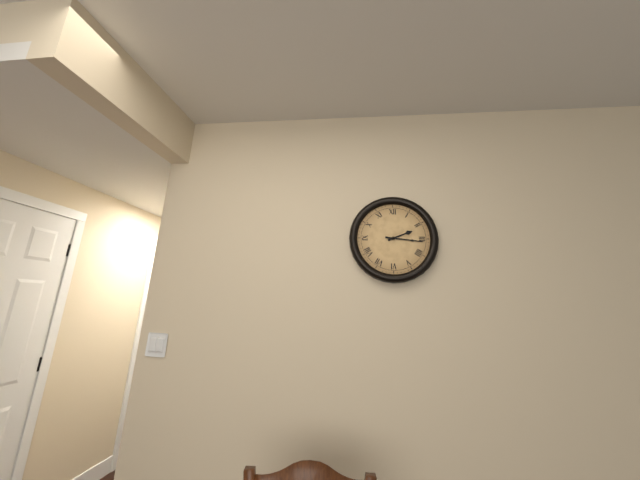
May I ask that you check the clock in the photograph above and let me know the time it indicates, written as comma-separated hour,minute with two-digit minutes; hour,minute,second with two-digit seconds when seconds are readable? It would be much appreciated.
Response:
2,16
